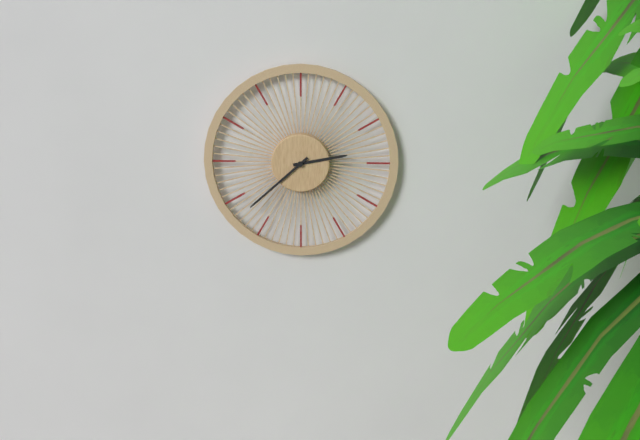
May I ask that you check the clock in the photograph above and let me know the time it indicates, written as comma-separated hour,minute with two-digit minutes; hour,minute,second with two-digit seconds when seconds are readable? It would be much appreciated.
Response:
2,38
